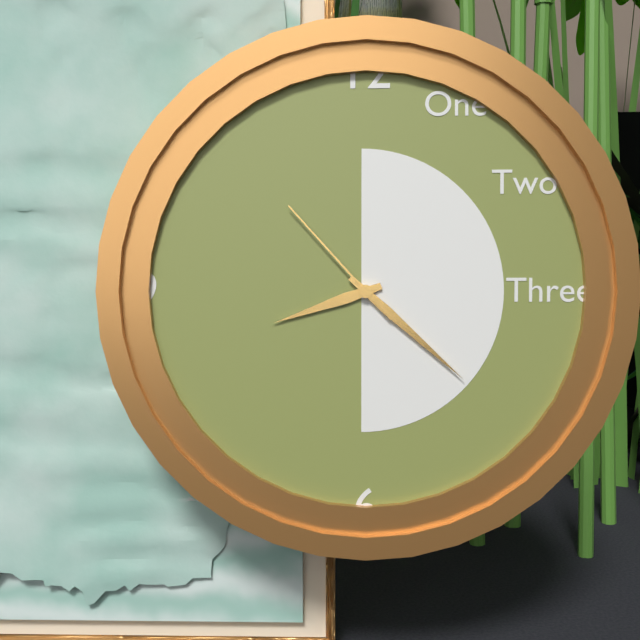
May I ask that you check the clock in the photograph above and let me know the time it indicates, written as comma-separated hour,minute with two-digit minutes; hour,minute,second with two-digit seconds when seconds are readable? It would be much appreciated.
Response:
8,22,53
